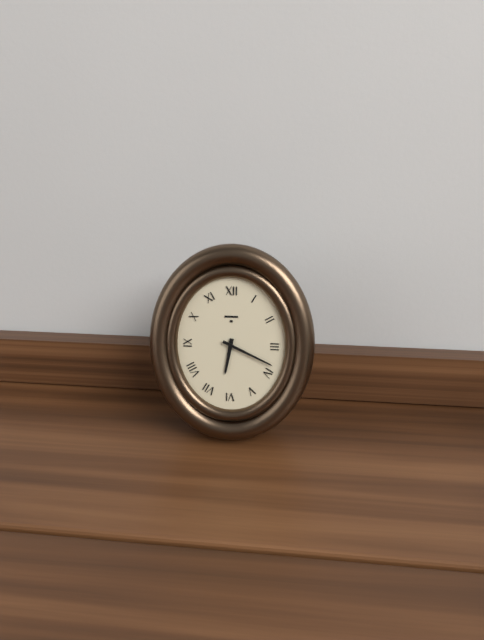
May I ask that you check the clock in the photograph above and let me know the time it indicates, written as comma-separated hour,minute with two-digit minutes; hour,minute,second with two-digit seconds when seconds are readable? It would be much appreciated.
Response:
6,19
